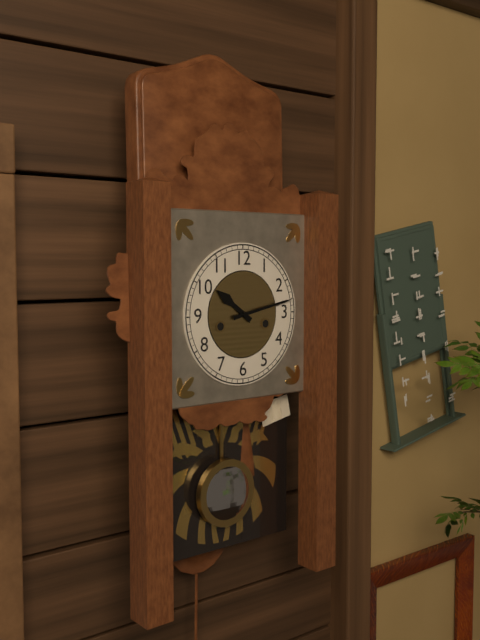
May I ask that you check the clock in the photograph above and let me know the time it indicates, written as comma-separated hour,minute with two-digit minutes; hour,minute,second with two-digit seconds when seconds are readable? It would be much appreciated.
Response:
10,13
